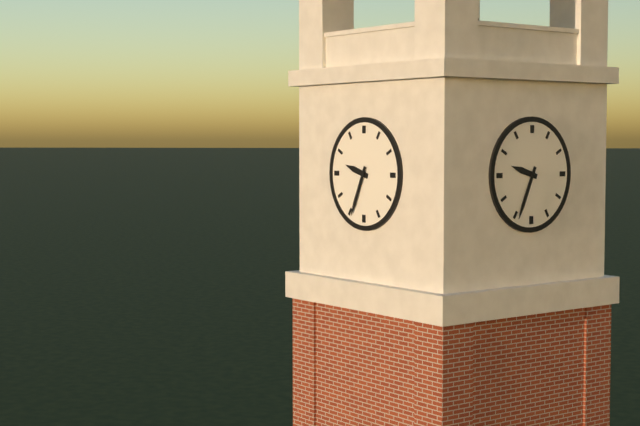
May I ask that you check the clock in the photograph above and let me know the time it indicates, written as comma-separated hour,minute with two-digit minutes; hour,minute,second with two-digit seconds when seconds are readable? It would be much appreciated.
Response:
9,34
